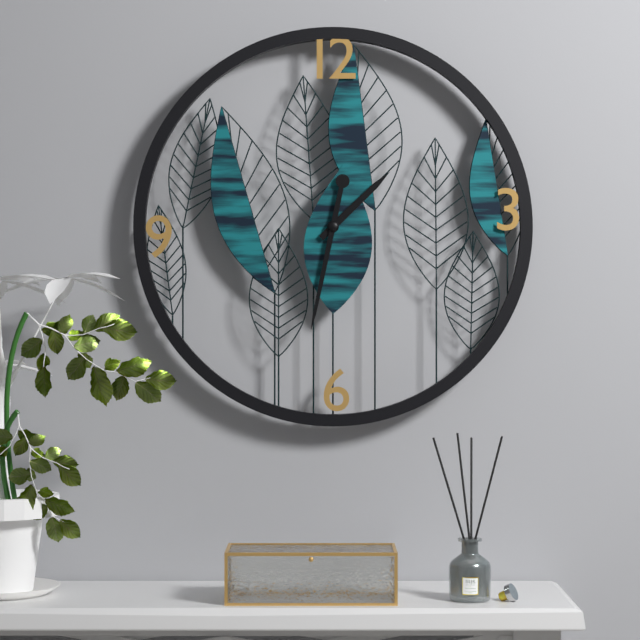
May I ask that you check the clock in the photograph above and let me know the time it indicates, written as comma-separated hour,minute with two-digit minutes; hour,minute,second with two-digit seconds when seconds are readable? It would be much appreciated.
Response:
1,32
